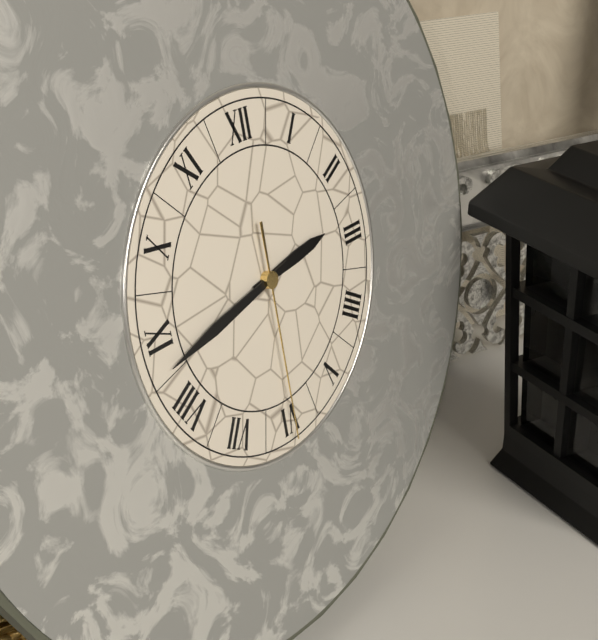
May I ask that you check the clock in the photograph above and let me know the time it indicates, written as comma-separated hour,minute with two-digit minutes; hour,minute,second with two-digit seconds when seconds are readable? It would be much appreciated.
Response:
2,43,30
